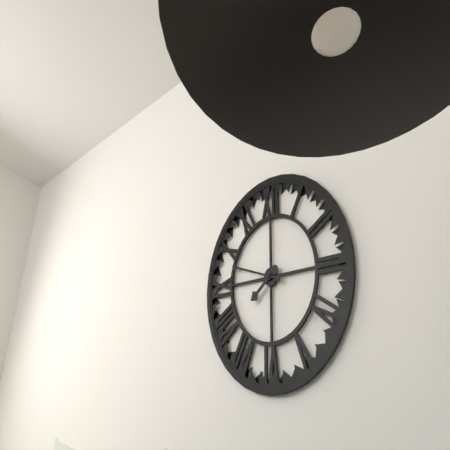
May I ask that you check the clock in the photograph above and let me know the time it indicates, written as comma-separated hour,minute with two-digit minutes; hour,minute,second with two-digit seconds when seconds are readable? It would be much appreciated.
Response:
7,48
